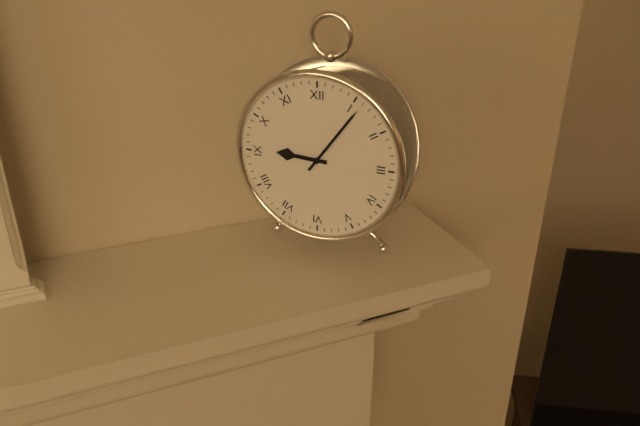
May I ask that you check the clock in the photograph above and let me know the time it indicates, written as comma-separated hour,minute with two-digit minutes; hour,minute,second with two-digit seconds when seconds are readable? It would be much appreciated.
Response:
9,06
